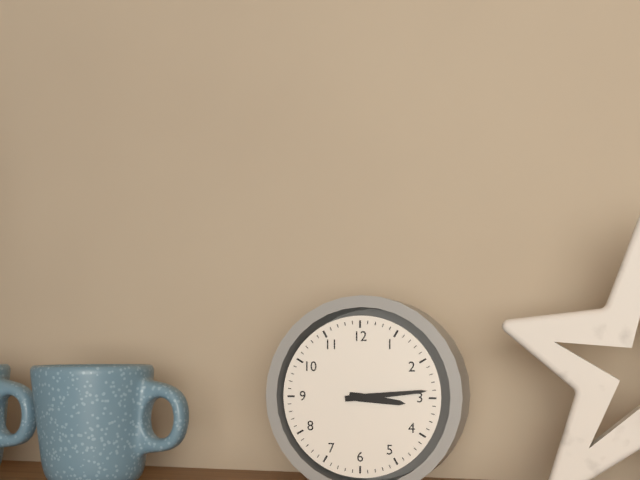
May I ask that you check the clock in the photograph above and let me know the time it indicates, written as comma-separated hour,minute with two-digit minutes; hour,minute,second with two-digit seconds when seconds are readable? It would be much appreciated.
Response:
3,14
